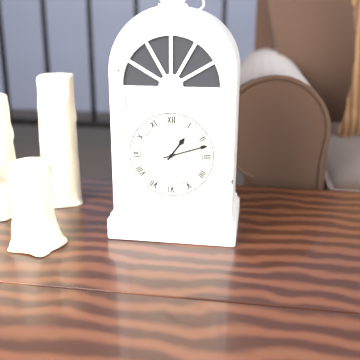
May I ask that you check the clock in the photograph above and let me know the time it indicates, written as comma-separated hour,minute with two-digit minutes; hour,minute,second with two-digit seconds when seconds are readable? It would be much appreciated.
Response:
1,12
